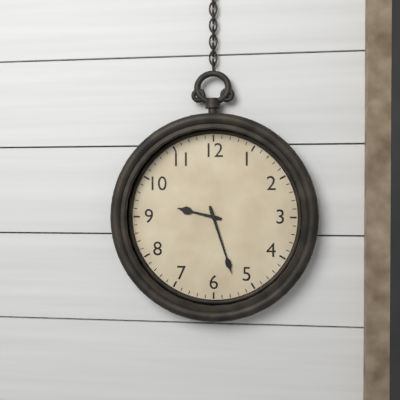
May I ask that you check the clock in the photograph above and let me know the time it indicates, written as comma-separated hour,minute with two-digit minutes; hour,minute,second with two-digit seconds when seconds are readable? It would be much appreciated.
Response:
9,27
